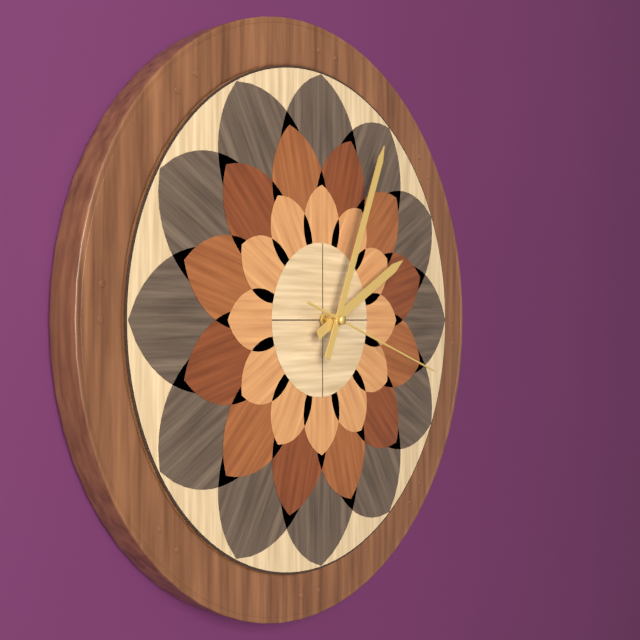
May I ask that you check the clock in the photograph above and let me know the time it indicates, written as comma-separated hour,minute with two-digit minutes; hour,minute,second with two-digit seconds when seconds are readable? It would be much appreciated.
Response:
2,04,18
